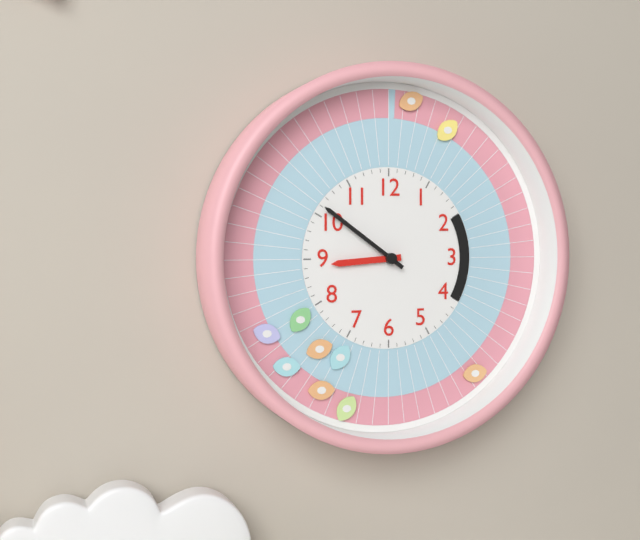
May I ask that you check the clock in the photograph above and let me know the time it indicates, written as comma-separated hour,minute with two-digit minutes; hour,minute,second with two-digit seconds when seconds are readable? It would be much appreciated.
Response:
8,51
